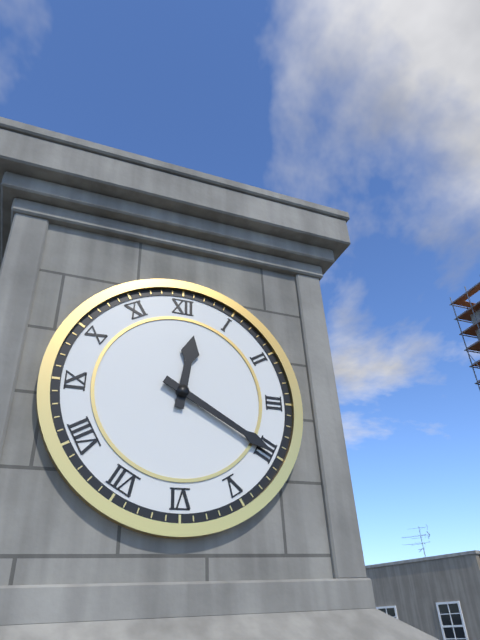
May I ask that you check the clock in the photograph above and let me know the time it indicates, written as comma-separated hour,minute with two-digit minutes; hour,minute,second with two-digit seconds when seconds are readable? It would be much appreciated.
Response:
12,20
